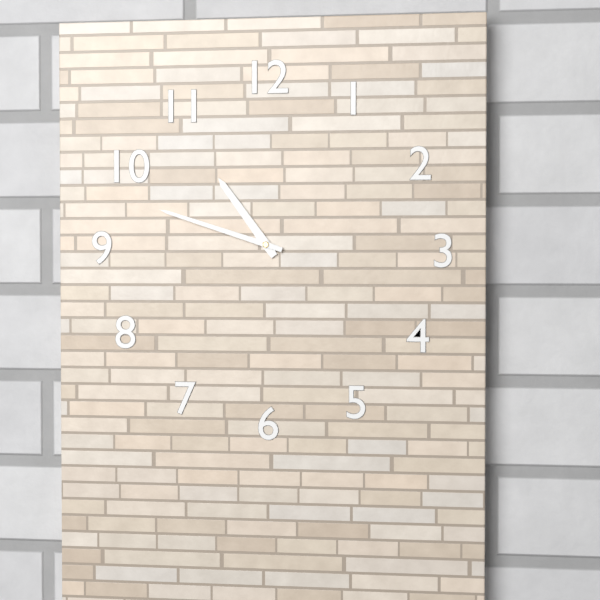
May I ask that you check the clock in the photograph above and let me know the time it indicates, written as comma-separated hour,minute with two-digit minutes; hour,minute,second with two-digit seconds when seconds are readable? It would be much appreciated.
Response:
10,48
